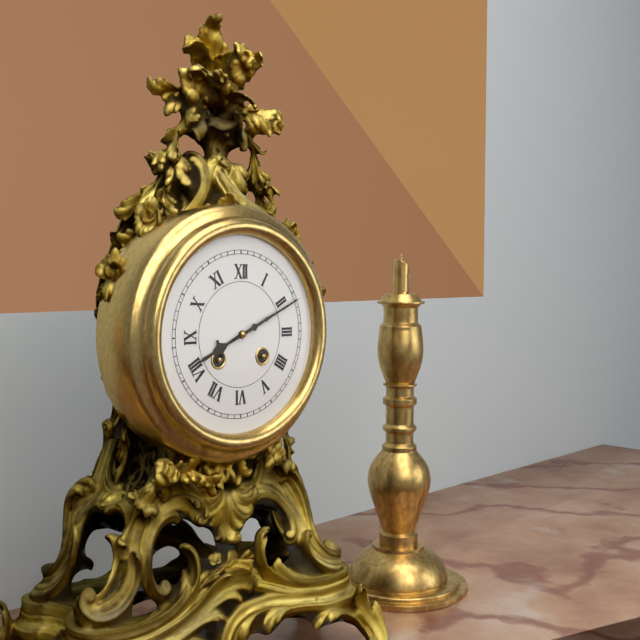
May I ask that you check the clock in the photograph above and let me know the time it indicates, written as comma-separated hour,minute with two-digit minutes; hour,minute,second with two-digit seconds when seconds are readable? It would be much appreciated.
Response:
8,11
